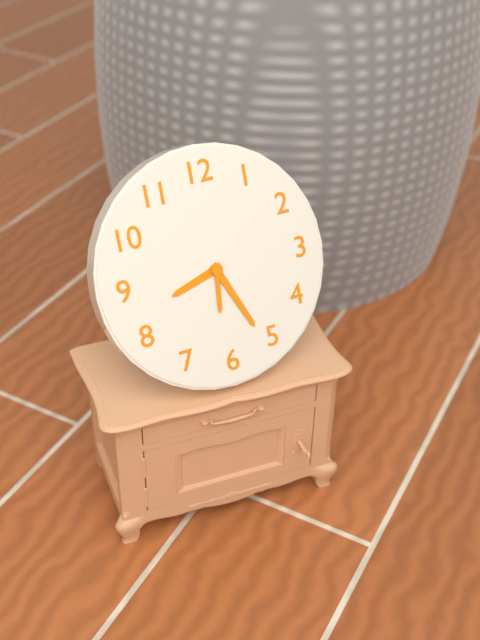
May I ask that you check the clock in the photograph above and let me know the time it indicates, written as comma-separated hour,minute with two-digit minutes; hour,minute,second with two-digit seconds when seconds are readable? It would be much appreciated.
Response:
8,26,31
